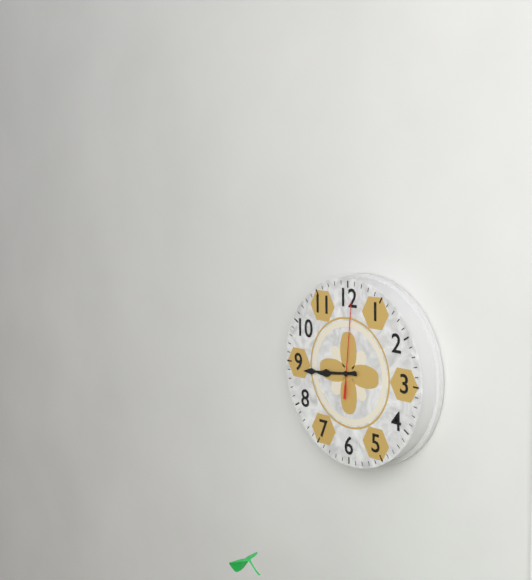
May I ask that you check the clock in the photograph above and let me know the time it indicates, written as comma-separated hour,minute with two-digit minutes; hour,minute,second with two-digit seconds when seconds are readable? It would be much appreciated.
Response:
8,44,01
